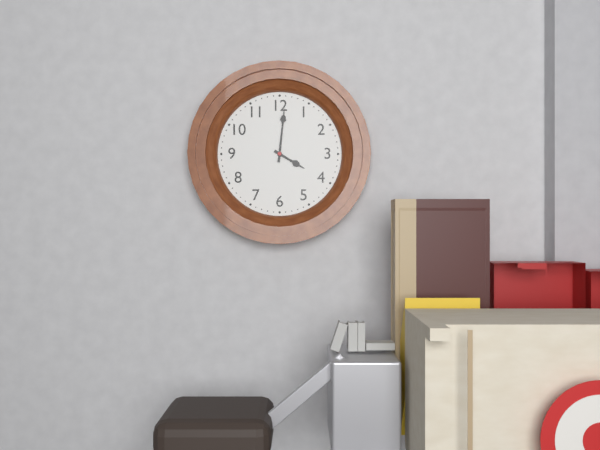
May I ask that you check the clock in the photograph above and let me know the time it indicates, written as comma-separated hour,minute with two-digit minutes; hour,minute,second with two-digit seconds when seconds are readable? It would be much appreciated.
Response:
4,01
